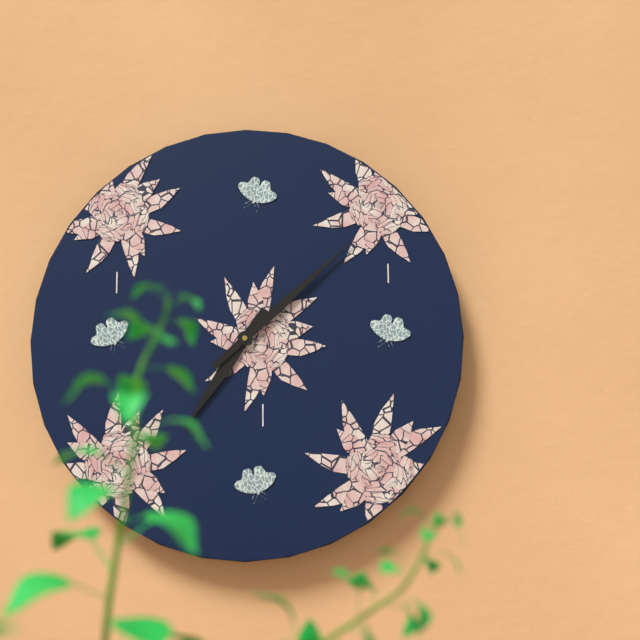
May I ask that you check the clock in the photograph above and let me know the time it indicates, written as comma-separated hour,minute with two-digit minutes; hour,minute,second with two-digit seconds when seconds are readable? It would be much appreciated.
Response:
7,08
